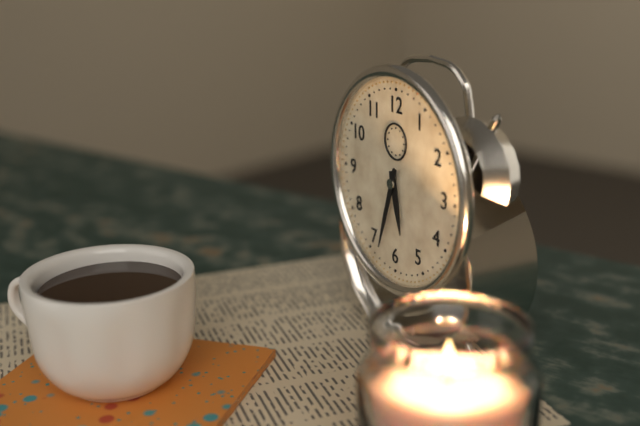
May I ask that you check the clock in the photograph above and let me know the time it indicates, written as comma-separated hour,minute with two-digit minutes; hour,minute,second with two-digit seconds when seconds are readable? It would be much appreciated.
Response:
5,33
